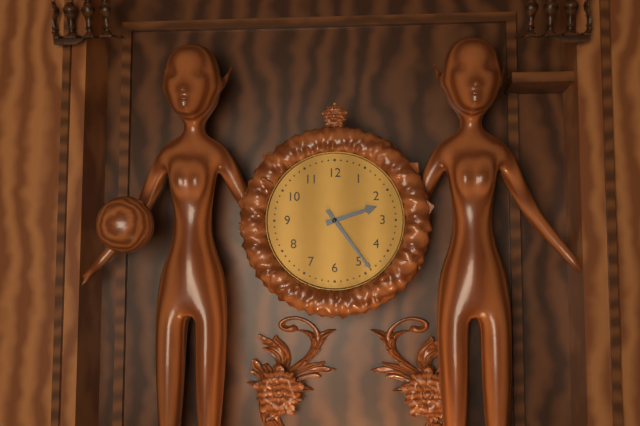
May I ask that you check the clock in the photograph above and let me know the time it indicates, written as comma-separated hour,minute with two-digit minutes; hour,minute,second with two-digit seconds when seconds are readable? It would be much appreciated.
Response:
2,24
